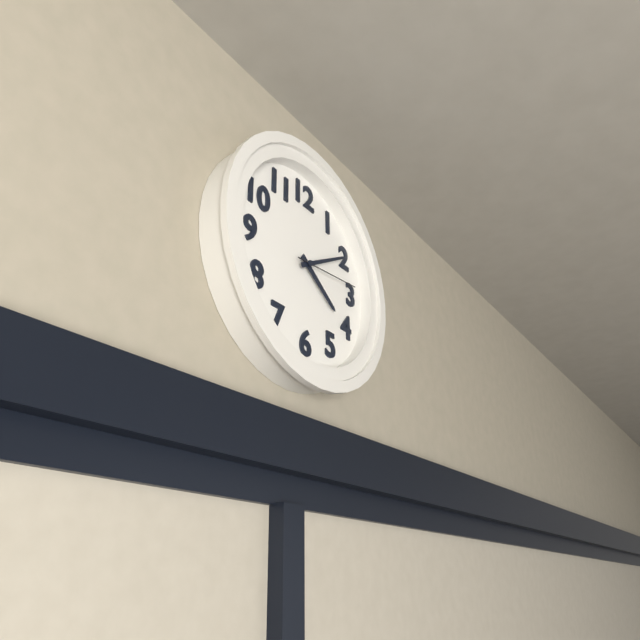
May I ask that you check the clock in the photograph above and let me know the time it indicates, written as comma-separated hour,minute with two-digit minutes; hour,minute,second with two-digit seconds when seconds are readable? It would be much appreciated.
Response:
4,10,14
